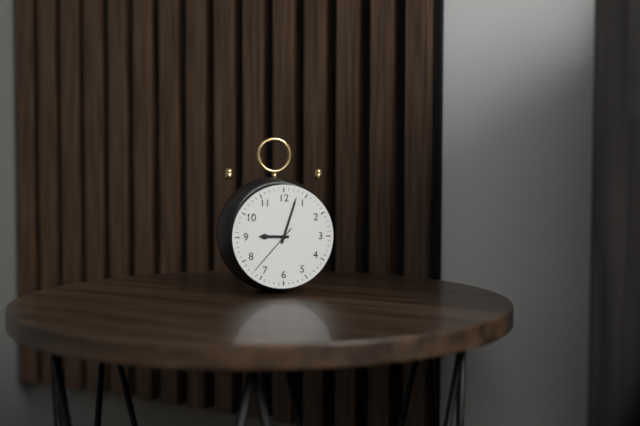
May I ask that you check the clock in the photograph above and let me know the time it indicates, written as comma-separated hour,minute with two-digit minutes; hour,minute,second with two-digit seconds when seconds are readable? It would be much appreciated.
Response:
9,03,37
